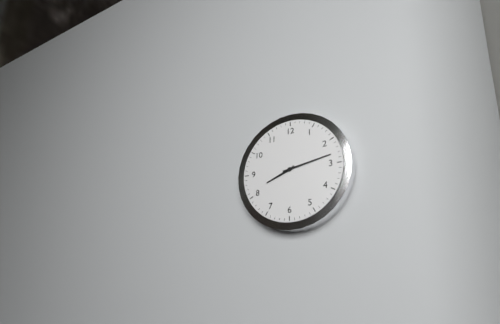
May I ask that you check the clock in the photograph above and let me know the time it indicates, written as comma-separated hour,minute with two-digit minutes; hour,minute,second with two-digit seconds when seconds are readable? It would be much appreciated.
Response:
8,13
